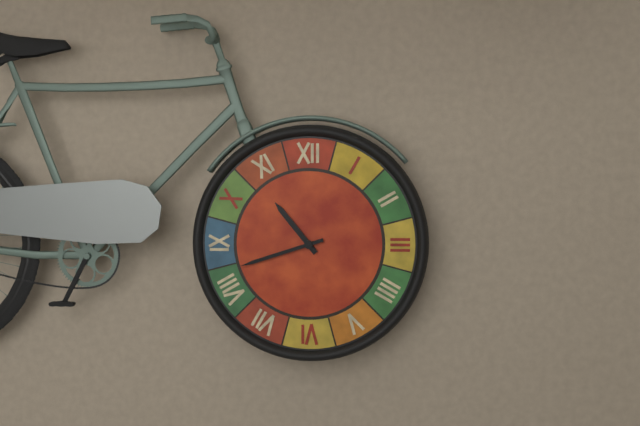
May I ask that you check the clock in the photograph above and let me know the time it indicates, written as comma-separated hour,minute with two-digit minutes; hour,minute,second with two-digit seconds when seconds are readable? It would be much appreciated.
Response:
10,42
